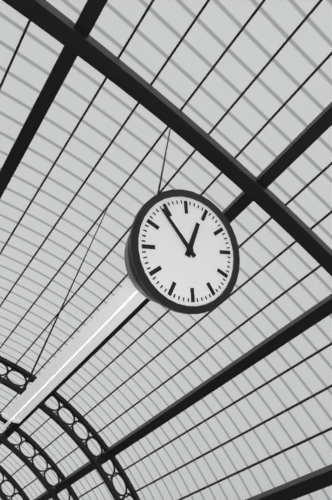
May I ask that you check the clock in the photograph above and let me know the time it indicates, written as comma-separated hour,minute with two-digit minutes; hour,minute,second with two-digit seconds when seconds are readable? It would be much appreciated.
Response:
11,49
